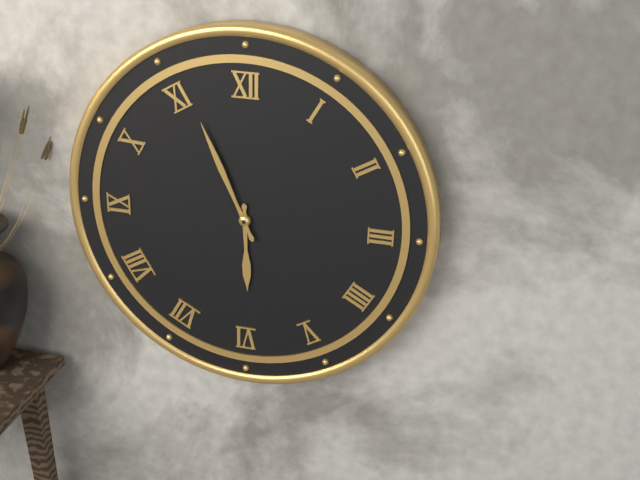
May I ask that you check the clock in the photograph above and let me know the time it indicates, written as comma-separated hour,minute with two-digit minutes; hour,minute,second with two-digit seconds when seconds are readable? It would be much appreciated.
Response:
5,56
